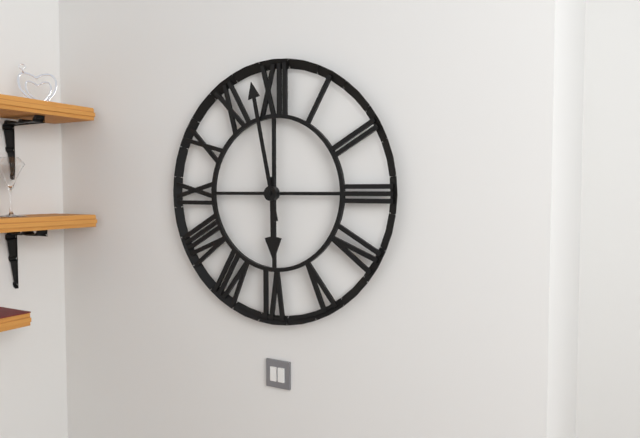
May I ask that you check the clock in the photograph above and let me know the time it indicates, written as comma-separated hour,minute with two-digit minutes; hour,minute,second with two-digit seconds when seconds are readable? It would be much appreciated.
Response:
5,58
